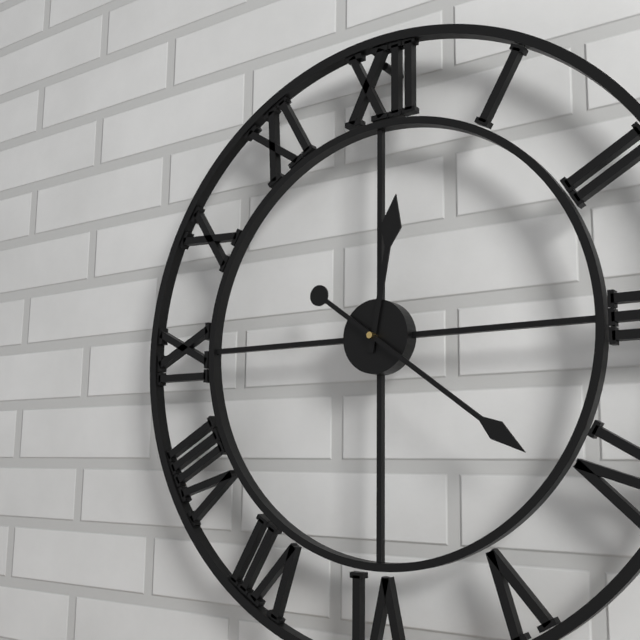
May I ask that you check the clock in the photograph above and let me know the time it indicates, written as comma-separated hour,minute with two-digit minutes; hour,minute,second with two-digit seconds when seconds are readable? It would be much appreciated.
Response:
12,21
